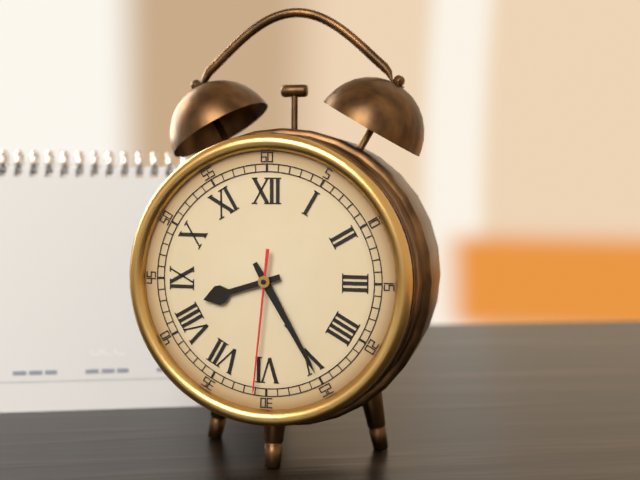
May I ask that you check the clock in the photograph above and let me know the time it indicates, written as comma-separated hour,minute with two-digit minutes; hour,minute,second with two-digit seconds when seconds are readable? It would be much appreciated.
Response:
8,25,31
